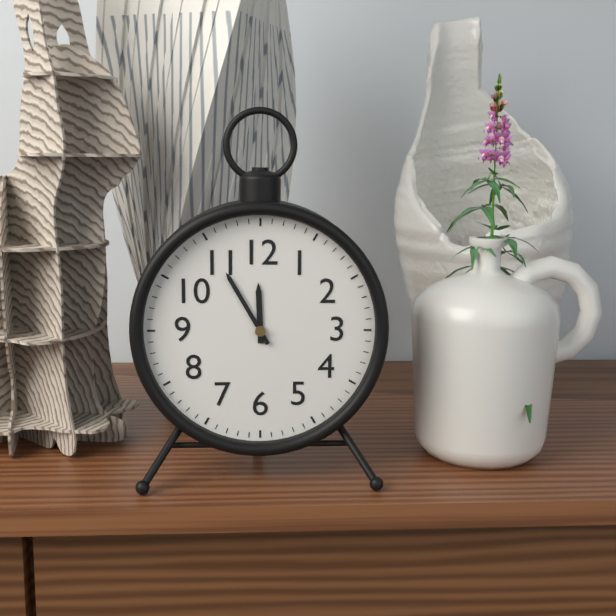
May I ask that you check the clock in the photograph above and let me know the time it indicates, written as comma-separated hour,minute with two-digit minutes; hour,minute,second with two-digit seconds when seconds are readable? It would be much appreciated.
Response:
11,55
